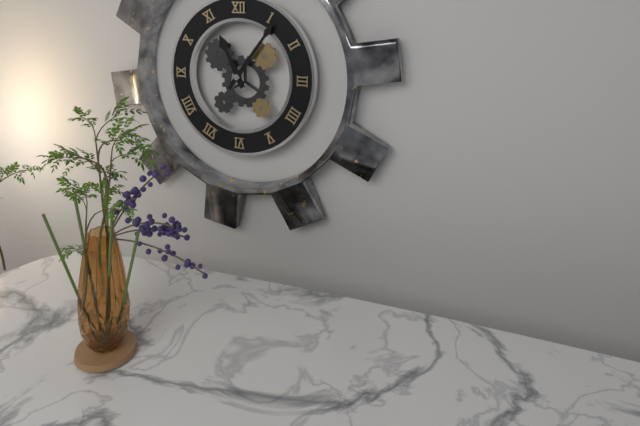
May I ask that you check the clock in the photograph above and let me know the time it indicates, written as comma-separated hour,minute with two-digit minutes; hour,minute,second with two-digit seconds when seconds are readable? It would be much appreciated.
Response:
11,06
